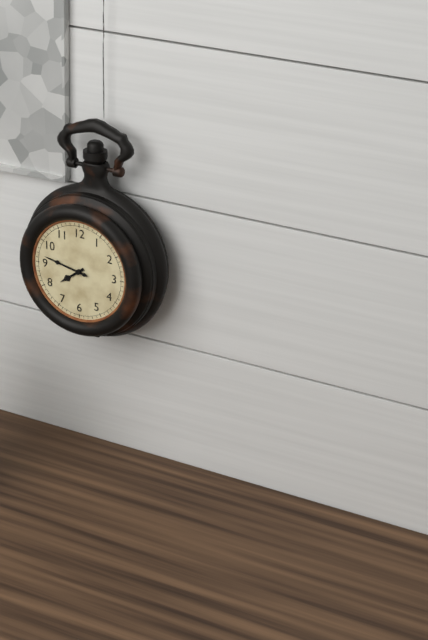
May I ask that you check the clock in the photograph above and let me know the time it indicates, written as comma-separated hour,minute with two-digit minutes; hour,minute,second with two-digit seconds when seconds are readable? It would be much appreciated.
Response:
7,47
